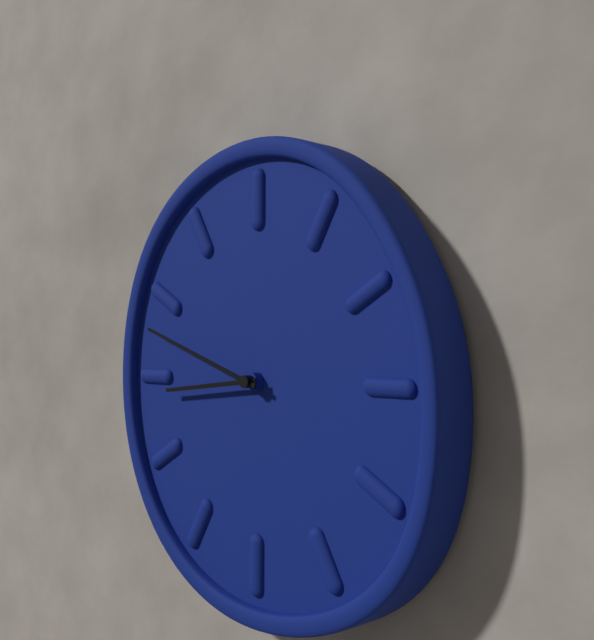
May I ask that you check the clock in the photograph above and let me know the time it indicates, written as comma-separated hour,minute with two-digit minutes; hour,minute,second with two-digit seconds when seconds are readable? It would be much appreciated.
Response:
8,48
